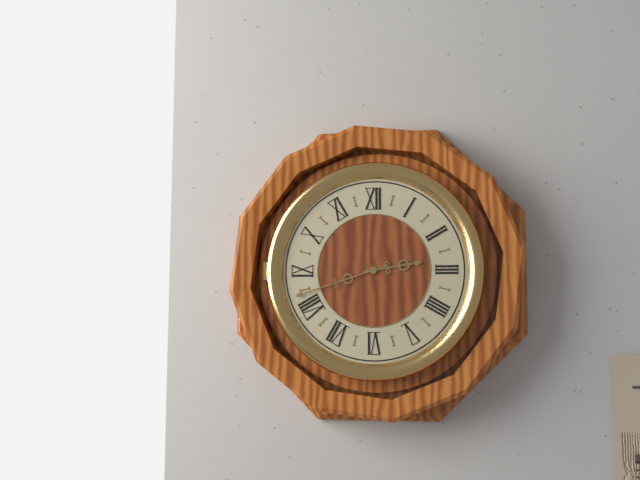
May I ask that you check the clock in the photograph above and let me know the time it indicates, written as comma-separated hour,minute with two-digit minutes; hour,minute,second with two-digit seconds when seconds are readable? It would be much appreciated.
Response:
2,42
